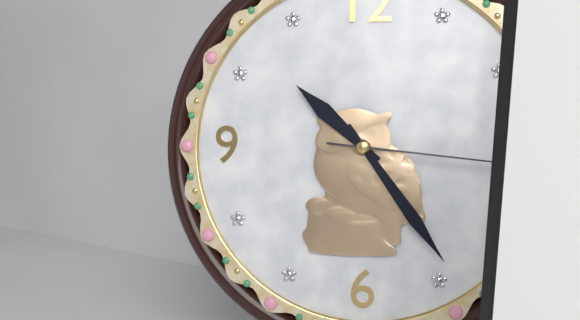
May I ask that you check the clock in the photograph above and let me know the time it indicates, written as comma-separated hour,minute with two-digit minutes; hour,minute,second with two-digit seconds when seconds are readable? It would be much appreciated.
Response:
10,24,16
